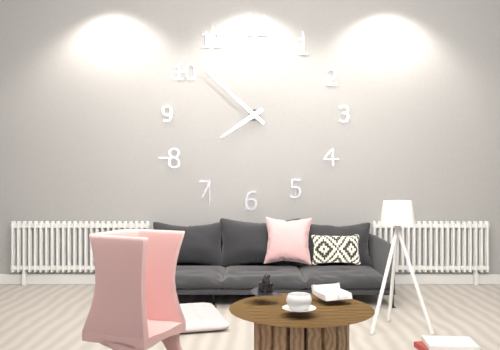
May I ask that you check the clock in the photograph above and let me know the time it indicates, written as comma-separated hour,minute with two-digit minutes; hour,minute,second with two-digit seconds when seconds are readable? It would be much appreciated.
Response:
7,52
